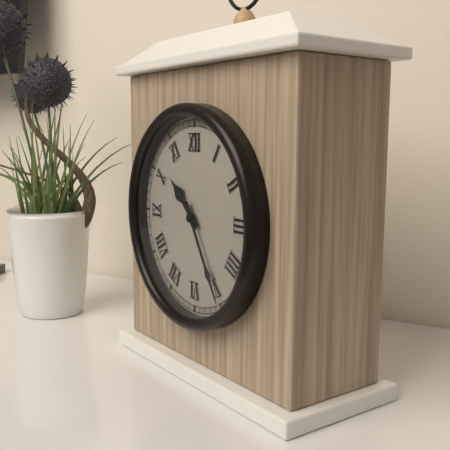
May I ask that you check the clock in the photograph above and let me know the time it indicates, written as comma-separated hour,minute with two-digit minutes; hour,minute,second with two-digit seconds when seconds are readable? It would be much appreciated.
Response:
10,25
